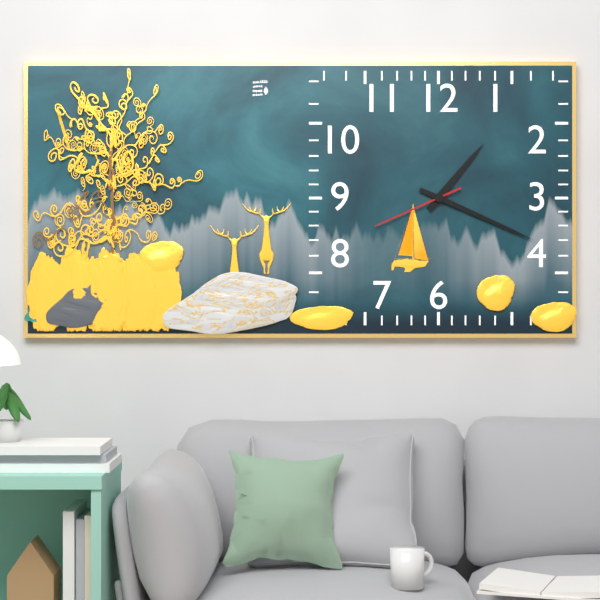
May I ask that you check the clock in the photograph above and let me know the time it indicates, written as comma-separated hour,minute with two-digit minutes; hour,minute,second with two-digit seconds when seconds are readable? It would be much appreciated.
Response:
1,19,41
